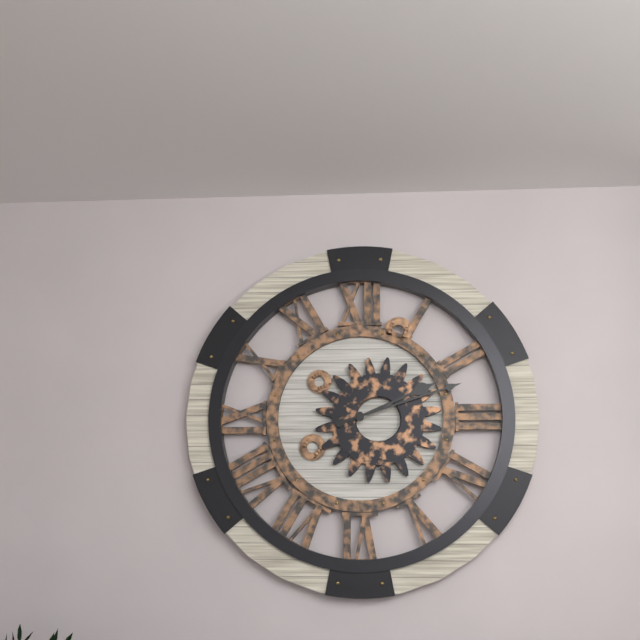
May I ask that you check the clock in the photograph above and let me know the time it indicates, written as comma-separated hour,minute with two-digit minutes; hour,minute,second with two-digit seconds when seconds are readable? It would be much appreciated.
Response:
2,12
